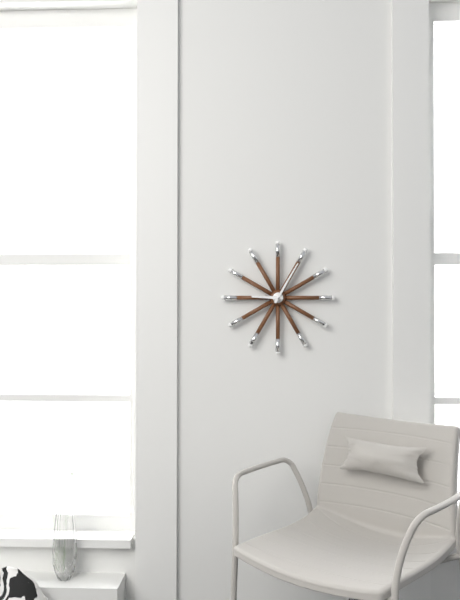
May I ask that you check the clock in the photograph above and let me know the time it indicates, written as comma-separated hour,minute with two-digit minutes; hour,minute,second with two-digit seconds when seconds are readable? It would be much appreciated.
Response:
9,05
